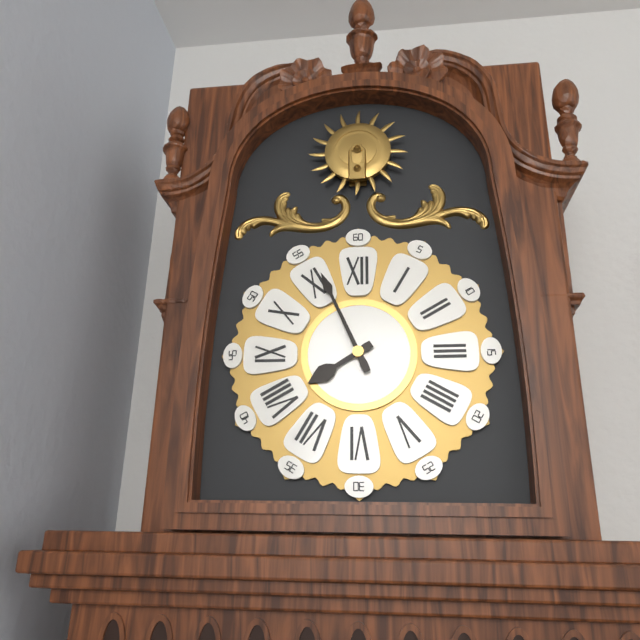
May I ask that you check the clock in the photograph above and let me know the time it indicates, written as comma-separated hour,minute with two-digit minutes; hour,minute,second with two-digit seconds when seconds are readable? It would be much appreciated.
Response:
7,56
